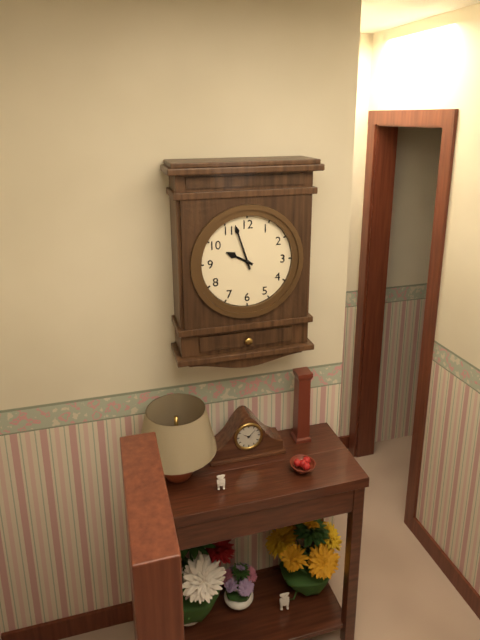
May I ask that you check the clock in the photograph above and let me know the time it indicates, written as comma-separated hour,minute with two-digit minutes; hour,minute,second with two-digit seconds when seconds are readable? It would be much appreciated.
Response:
9,57
